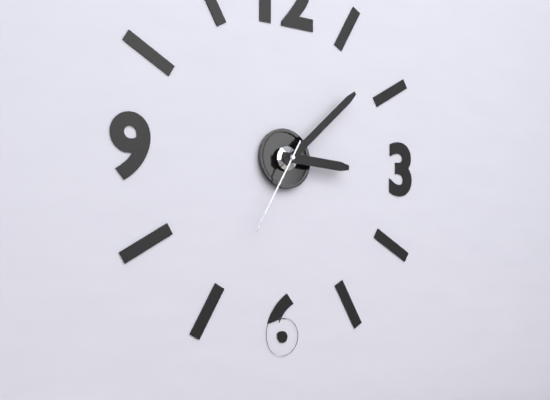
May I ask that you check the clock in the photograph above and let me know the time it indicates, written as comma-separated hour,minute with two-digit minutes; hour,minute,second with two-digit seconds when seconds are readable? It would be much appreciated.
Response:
3,08,35
